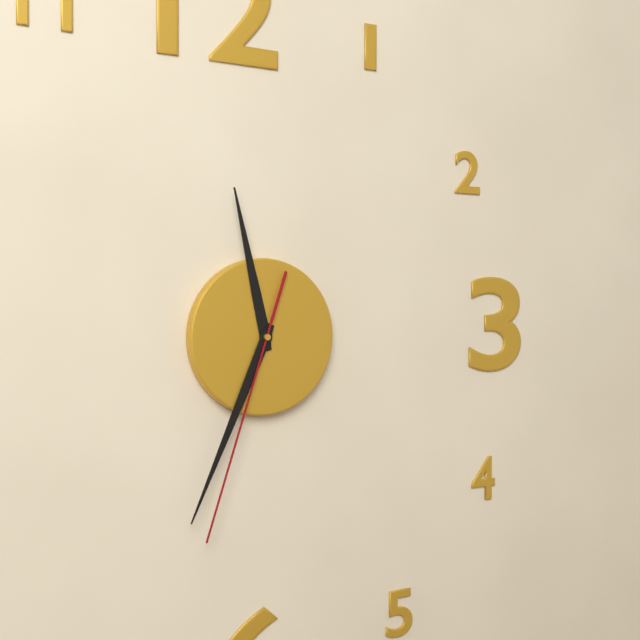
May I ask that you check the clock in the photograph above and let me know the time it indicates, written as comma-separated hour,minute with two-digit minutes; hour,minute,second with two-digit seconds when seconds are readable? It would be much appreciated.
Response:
11,34,33
